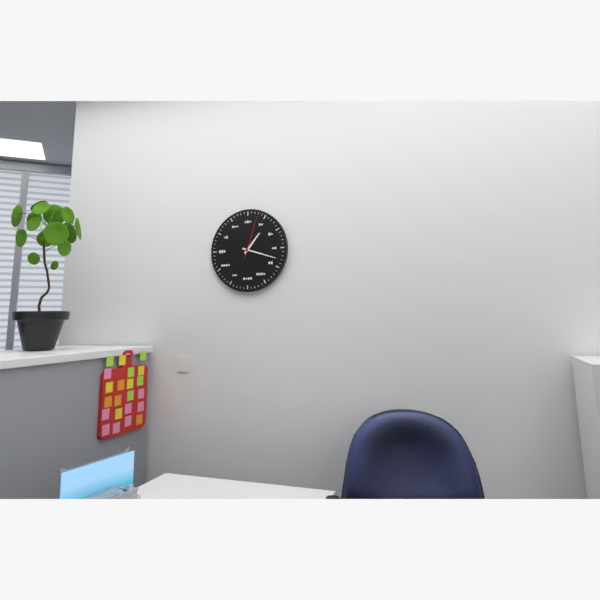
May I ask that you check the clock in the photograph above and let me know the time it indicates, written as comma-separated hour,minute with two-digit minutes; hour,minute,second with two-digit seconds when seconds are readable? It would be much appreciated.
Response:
1,18
